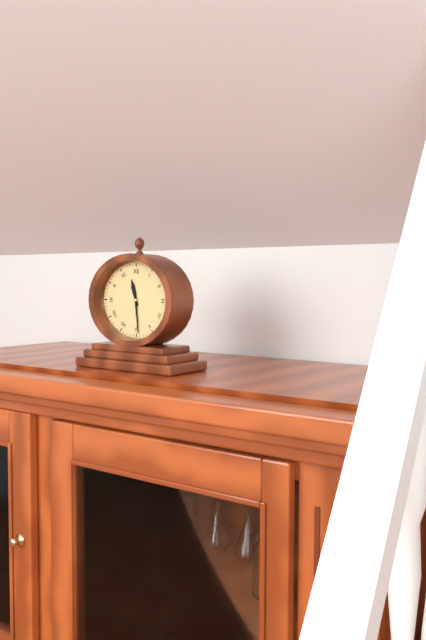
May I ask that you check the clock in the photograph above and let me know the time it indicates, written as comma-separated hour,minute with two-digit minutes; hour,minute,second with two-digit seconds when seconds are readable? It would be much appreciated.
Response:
11,29
